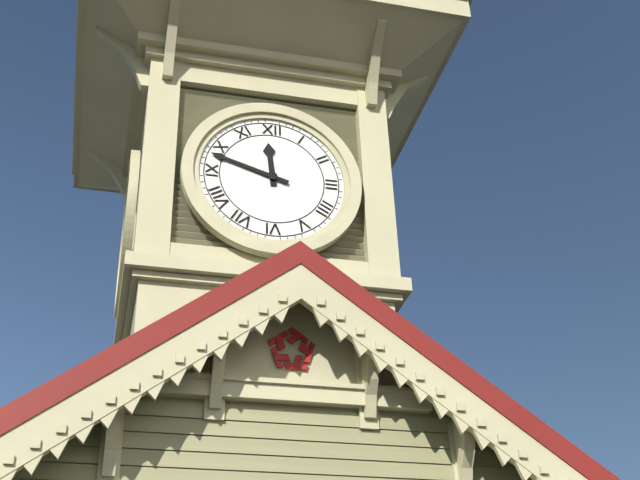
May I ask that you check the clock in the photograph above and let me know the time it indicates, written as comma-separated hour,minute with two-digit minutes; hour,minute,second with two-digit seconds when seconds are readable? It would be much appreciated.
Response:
11,48
